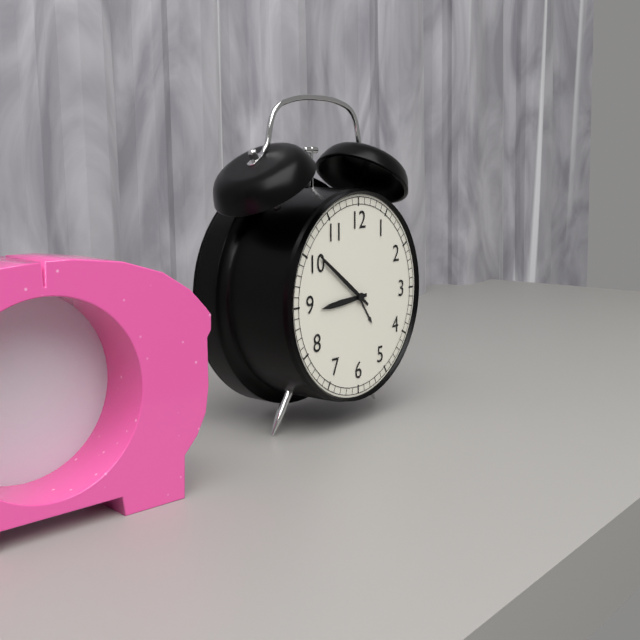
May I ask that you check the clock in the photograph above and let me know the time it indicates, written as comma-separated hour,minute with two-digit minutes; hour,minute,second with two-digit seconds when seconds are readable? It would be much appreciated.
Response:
8,51
